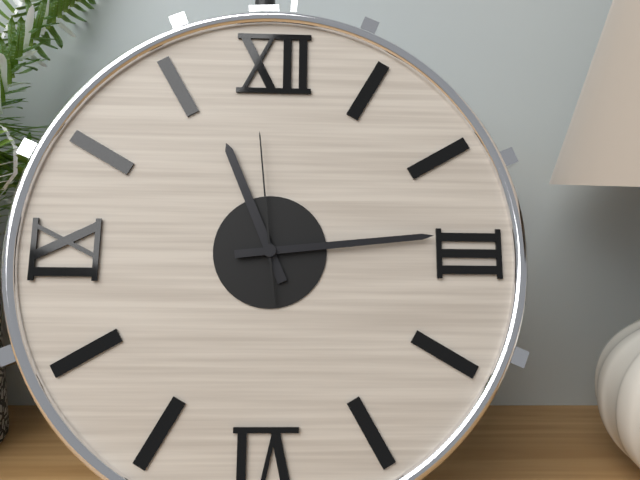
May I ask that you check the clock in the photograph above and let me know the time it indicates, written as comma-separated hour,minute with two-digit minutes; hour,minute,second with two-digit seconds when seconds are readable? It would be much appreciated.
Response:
11,14,59
